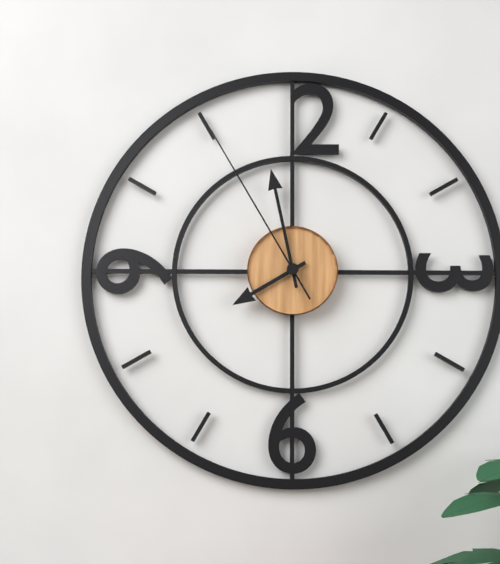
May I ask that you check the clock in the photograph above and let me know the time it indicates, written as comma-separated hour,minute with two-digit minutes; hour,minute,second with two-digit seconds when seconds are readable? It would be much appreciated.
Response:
7,58,55
